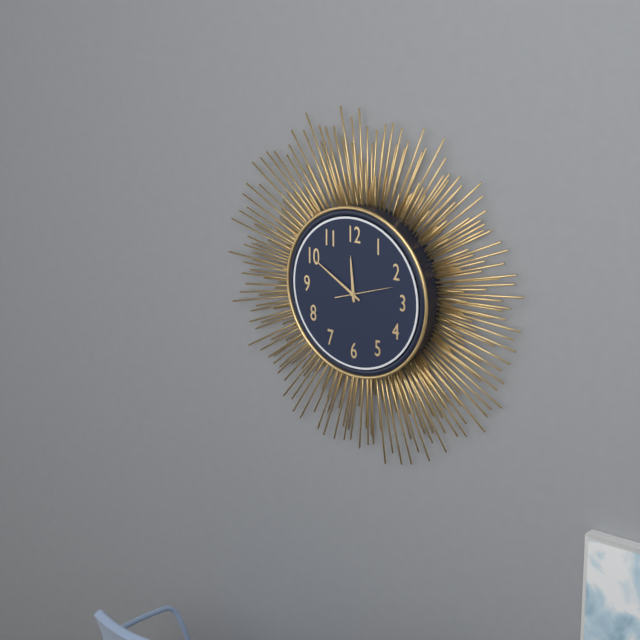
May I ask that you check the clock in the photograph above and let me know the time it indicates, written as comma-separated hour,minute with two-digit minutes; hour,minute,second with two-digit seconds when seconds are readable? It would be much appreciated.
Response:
11,50,12
